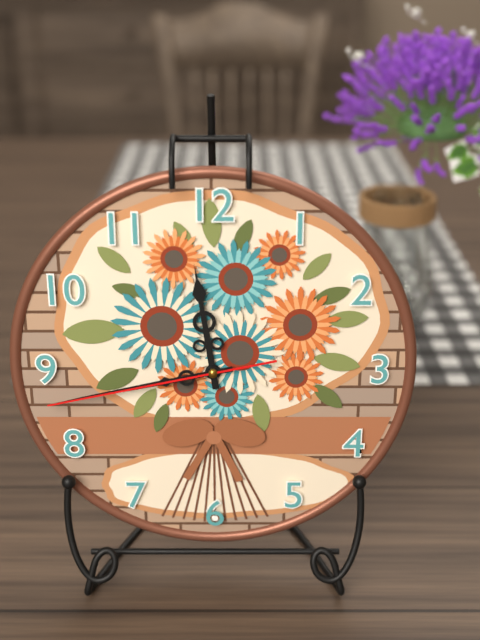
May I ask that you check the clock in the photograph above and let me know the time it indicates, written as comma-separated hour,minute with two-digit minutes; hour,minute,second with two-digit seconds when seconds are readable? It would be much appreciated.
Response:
11,43,43
